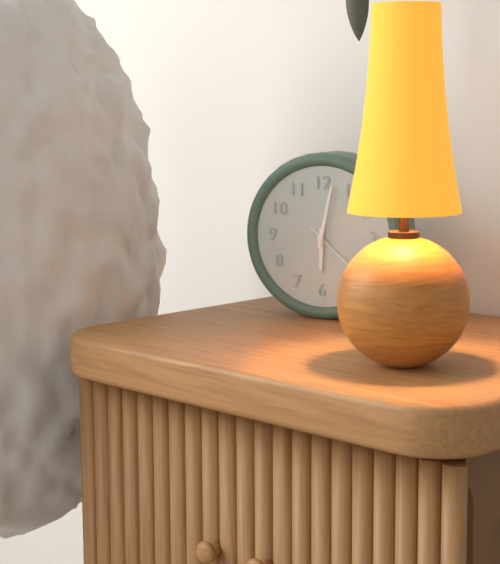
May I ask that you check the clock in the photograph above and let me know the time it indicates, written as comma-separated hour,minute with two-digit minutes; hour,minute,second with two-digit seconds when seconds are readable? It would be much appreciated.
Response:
6,02
